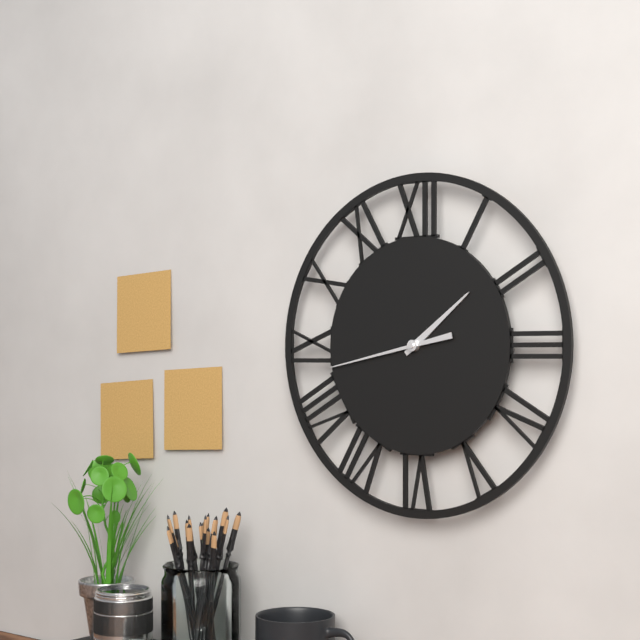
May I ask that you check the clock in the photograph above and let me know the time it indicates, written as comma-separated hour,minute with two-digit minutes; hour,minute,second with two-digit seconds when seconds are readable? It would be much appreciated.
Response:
1,43
